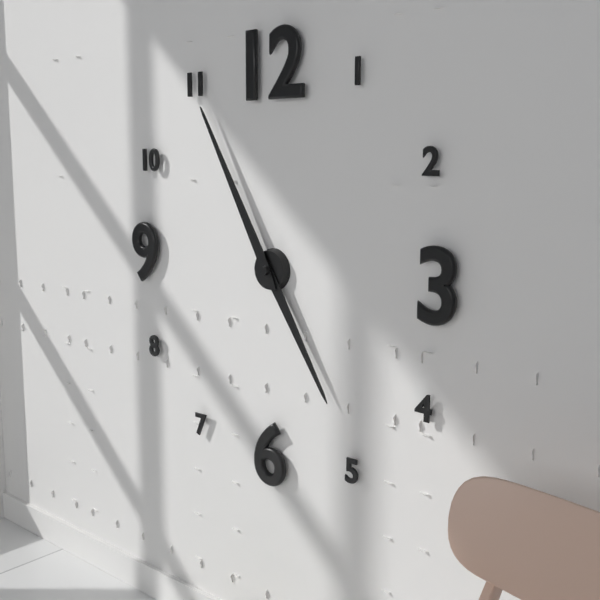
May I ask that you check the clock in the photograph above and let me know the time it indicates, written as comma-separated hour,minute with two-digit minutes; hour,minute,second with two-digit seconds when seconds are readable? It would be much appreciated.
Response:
4,55
